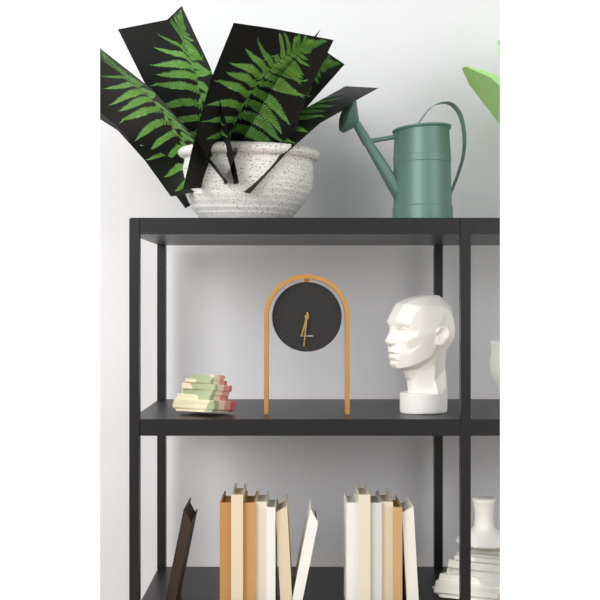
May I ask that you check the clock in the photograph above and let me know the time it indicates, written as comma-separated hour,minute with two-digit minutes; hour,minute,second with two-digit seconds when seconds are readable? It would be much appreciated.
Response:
6,31
